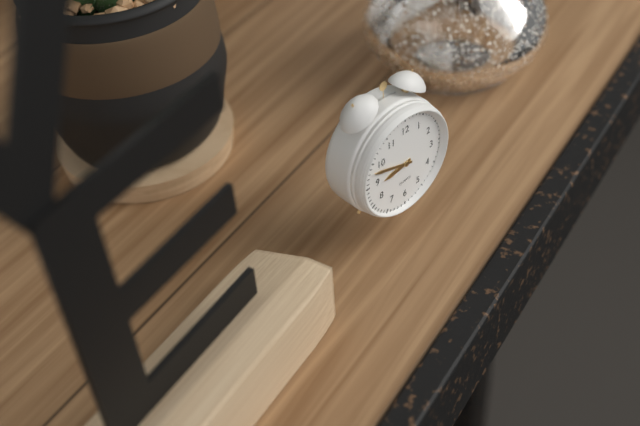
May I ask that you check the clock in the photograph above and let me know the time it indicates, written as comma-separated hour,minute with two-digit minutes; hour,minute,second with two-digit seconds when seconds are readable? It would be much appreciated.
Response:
8,48
